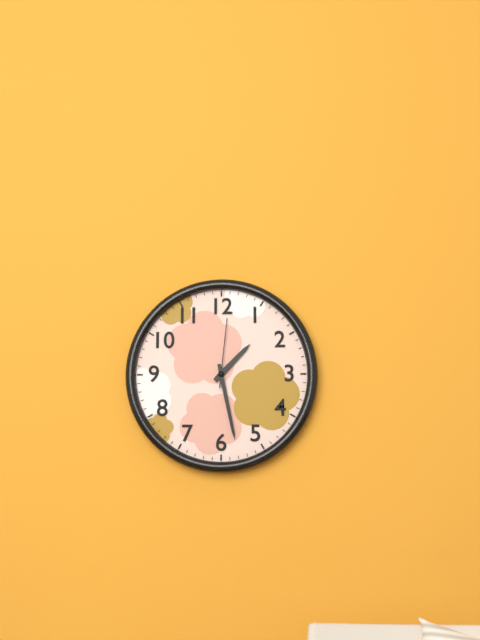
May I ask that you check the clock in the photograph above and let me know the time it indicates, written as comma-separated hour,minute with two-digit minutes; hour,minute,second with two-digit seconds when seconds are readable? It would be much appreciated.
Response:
1,28,01
